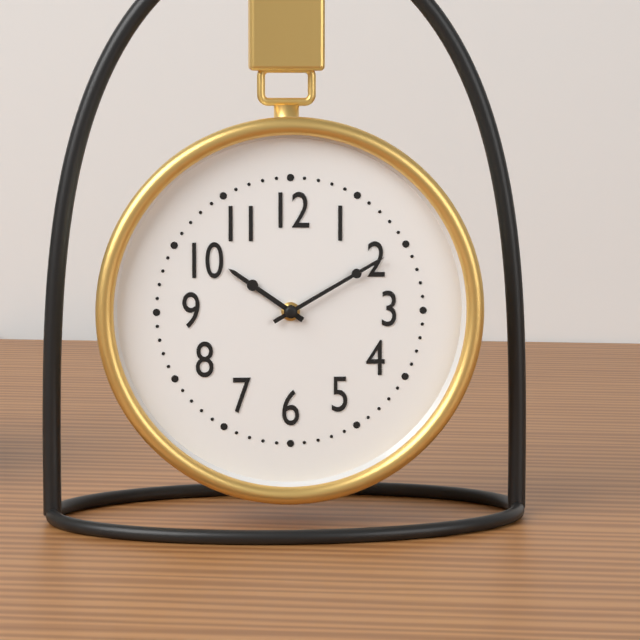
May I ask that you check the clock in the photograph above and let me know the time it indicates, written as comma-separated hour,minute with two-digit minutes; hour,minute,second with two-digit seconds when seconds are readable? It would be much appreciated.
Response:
10,10
